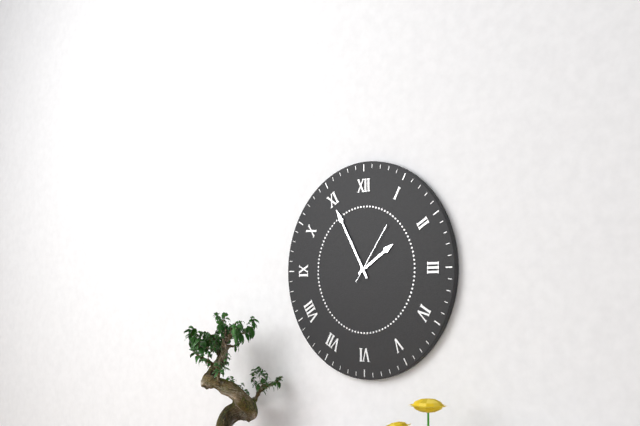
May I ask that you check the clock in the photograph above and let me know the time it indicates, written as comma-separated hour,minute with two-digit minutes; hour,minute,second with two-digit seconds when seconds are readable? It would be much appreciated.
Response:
1,55,06
